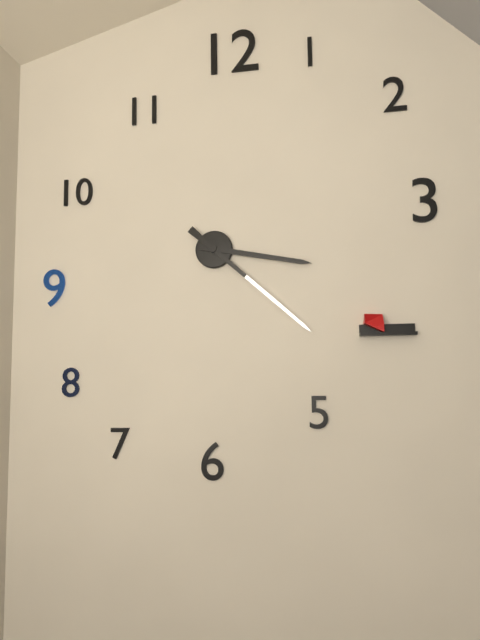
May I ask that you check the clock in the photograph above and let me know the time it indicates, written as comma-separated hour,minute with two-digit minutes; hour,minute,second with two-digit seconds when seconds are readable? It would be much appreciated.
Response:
3,22
